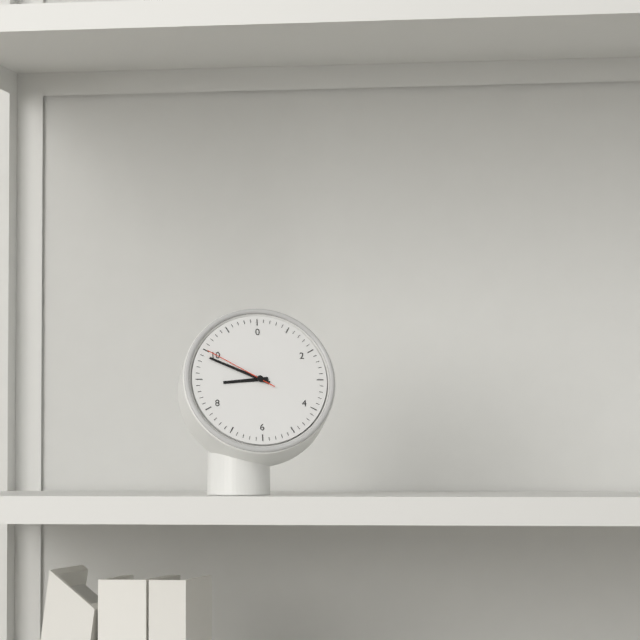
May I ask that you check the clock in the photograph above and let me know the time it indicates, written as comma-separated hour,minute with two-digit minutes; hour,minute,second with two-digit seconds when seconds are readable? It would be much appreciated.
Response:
8,49,50
